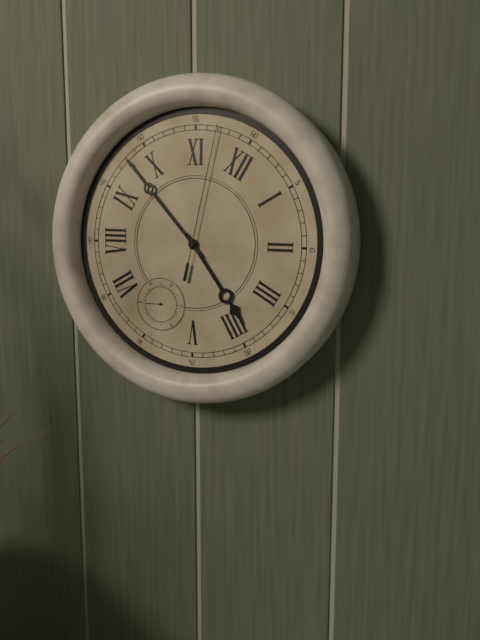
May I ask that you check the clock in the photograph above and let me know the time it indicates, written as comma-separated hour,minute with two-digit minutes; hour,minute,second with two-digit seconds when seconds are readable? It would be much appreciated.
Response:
3,48,57
